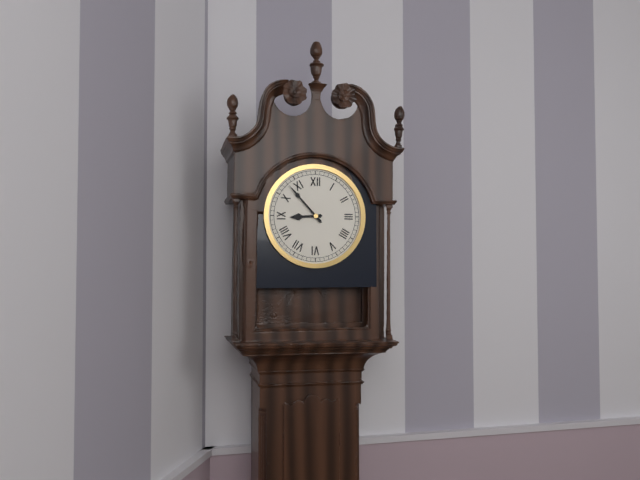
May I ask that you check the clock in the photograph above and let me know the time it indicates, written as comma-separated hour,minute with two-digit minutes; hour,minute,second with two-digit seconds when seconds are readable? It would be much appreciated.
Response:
8,53
